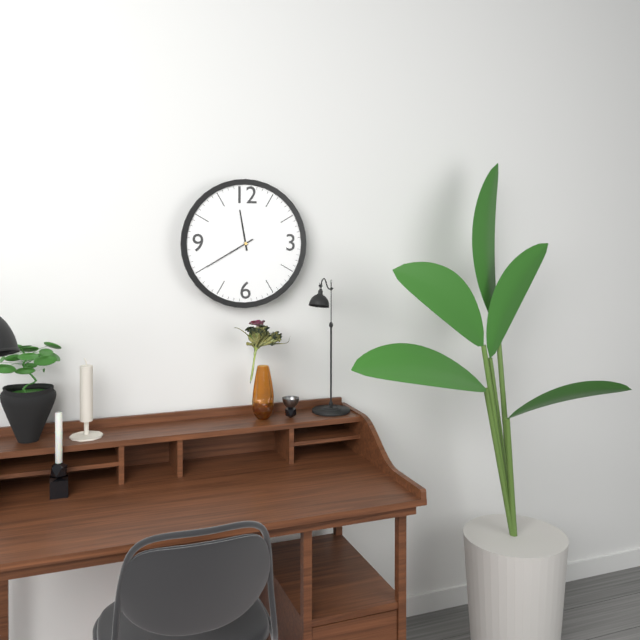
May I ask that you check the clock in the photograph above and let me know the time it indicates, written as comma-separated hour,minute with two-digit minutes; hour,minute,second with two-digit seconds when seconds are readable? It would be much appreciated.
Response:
11,40
